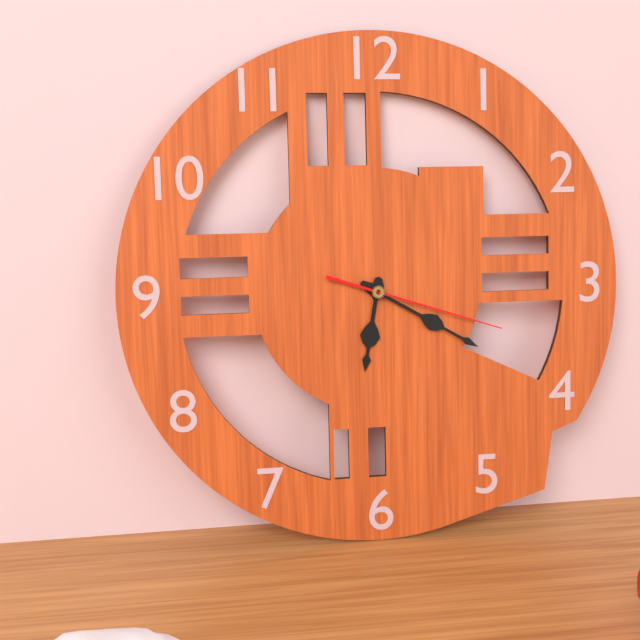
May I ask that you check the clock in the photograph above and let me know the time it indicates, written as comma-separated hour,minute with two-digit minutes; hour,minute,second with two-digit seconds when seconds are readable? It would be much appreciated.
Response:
6,20,18
